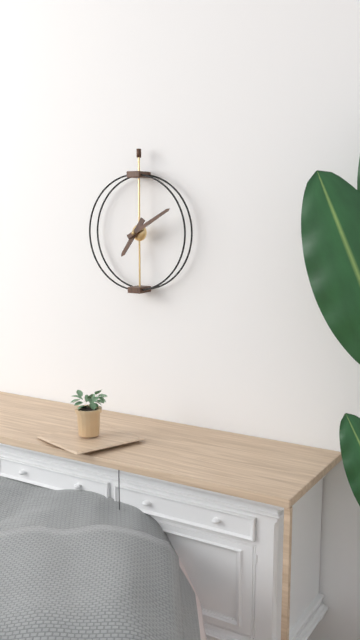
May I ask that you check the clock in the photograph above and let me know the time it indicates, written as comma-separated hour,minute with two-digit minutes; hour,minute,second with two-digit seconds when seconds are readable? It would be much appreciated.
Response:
7,10
